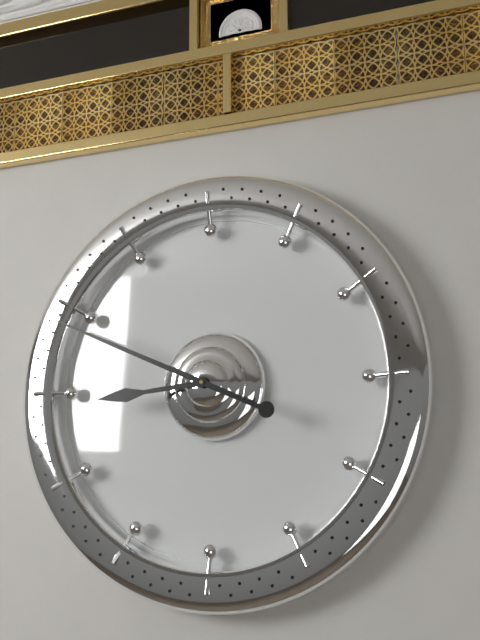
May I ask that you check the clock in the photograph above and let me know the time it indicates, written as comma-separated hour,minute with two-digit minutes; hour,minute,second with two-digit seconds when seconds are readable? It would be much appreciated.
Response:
8,49
